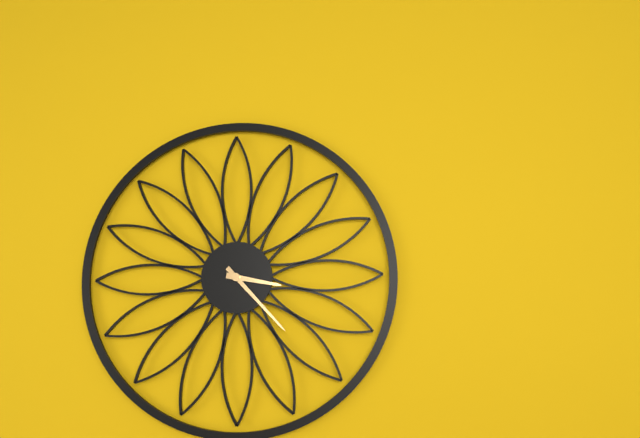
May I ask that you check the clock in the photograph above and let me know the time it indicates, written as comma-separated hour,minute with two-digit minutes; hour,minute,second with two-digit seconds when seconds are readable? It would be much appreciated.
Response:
3,23
